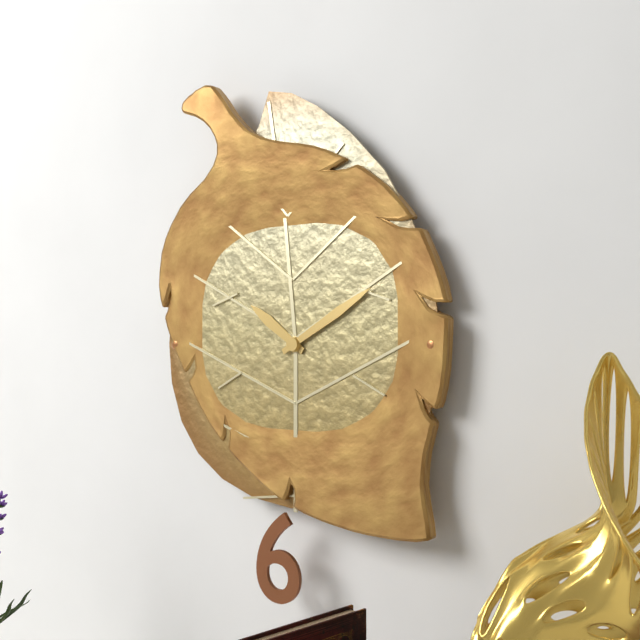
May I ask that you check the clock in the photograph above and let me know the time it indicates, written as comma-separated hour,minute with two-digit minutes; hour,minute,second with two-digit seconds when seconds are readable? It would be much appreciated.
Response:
10,10
